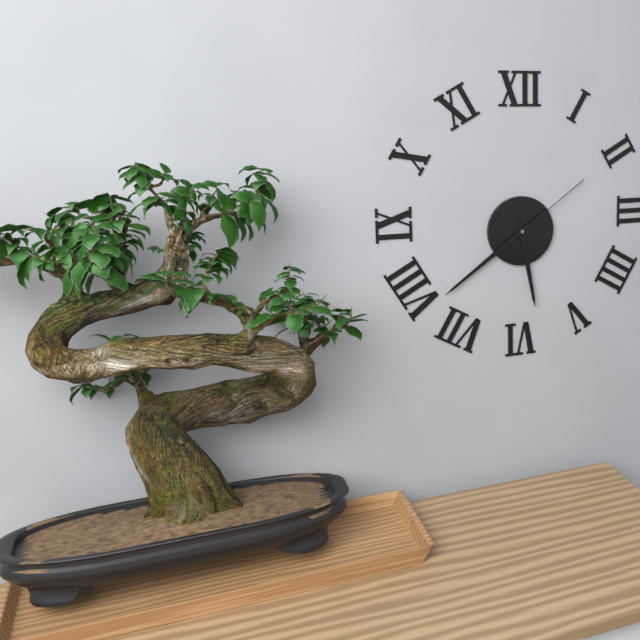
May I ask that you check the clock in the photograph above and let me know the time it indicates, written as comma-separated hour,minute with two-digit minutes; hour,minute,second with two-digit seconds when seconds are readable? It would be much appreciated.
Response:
5,39,09
